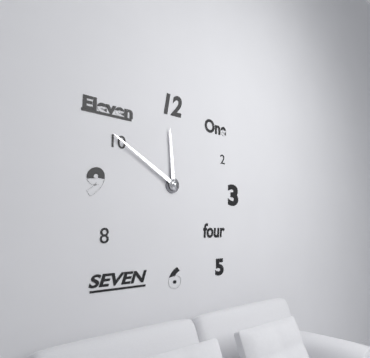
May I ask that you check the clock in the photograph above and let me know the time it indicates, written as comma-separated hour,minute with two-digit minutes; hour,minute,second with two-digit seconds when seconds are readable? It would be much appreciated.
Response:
11,50
